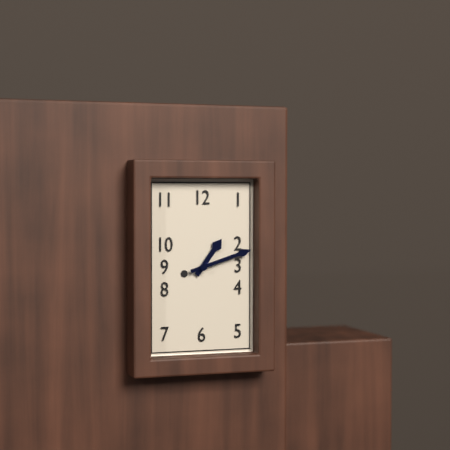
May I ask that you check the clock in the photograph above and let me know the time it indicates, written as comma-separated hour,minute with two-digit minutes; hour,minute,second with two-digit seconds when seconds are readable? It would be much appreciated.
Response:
1,12
